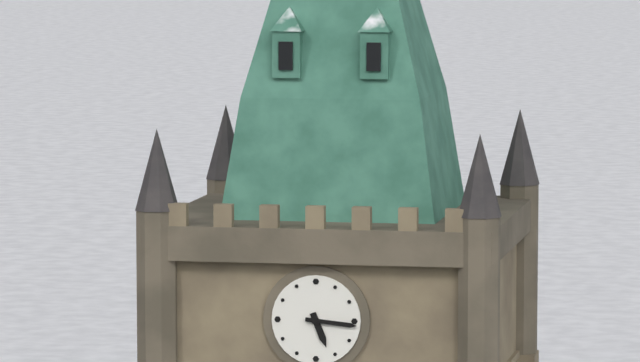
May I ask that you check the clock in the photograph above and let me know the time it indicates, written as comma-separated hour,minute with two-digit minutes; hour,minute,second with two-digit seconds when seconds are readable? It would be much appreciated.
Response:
5,16
